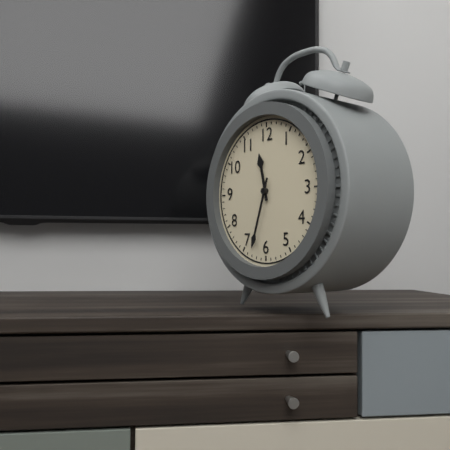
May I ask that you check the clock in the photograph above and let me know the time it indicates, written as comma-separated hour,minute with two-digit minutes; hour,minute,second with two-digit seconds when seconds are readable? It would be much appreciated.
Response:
11,33
